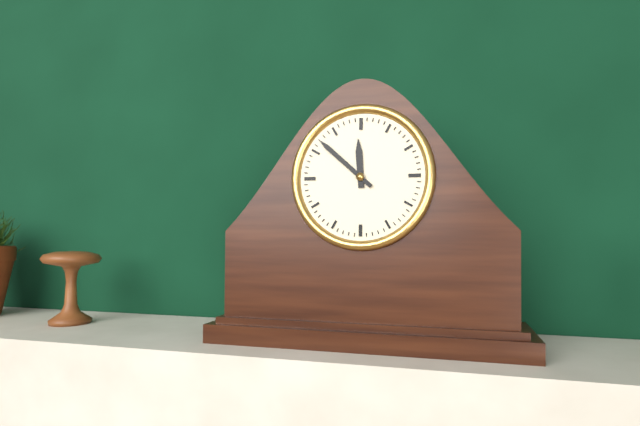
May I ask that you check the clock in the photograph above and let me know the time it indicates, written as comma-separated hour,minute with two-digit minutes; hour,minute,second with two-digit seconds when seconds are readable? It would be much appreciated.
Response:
11,52
